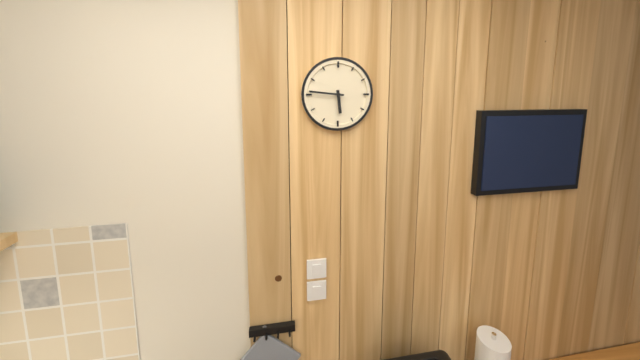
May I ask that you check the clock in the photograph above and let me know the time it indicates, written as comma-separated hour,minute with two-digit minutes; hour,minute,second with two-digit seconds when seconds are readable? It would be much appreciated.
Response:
5,46
